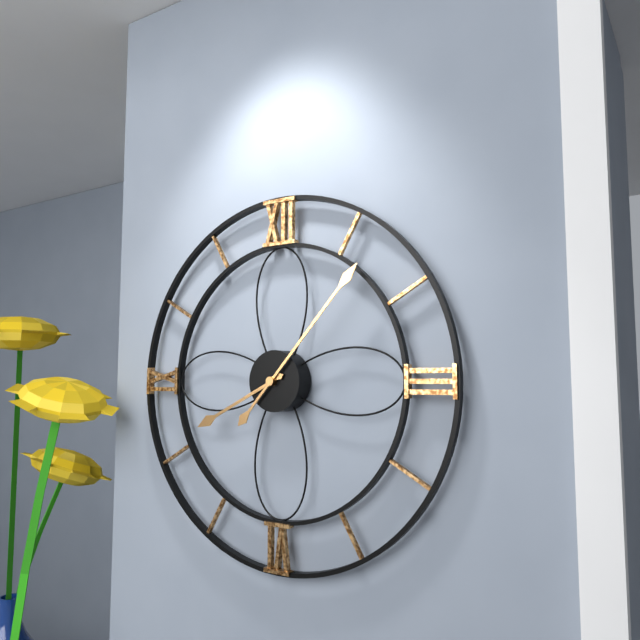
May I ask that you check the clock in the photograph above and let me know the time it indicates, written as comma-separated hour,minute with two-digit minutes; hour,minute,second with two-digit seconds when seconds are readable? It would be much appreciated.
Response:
8,07
